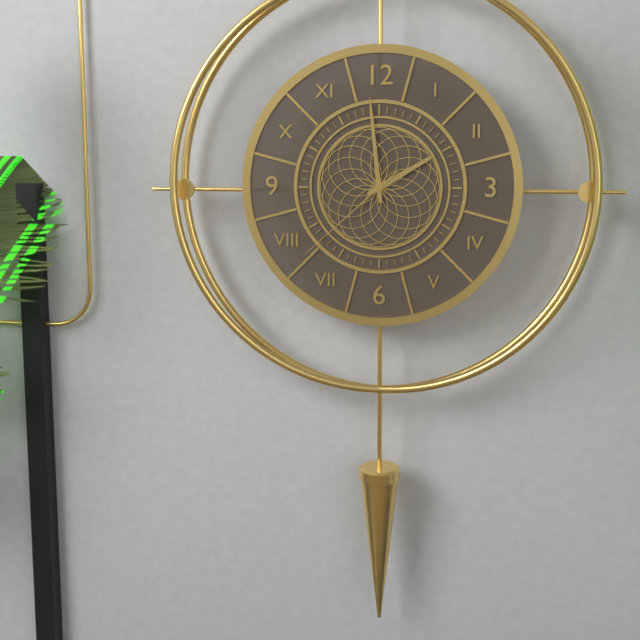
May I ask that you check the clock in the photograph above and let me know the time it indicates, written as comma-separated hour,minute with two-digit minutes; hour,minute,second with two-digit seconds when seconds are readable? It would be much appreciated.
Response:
1,59,38
